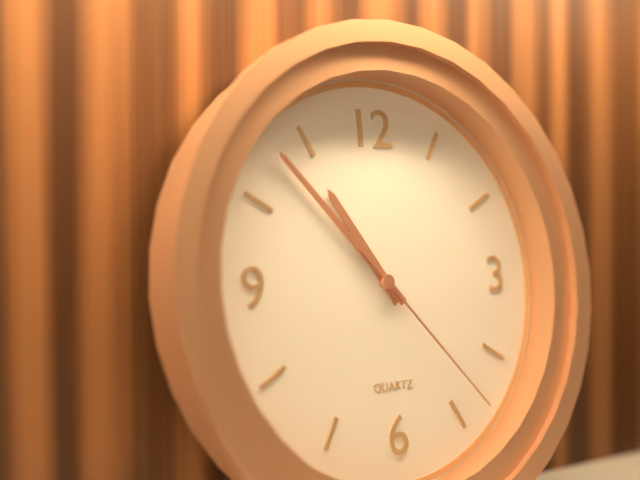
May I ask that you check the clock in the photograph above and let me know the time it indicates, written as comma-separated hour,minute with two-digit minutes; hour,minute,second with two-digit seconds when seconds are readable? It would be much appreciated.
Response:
10,53,23
